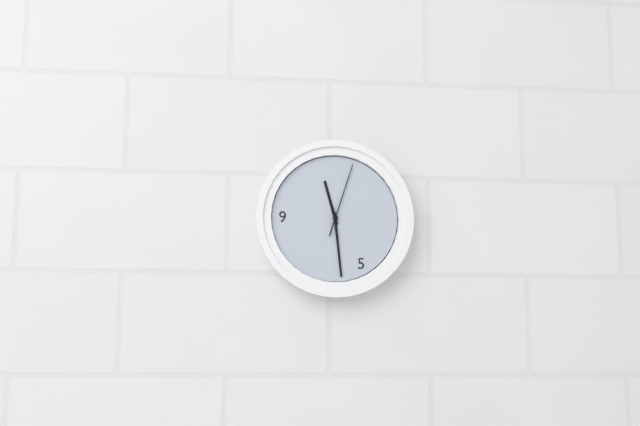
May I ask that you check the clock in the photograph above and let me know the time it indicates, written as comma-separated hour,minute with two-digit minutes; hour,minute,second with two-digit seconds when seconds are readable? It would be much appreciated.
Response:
11,29,03
